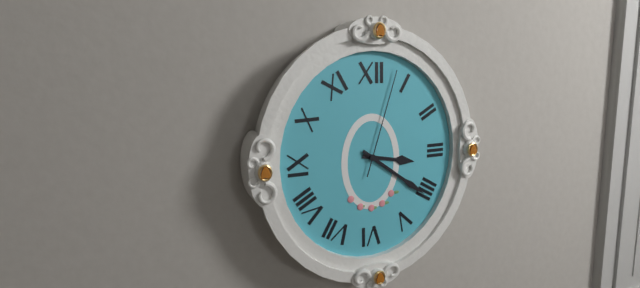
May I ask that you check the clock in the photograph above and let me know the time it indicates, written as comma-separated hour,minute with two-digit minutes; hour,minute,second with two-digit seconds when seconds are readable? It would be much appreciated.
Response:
3,21,03
